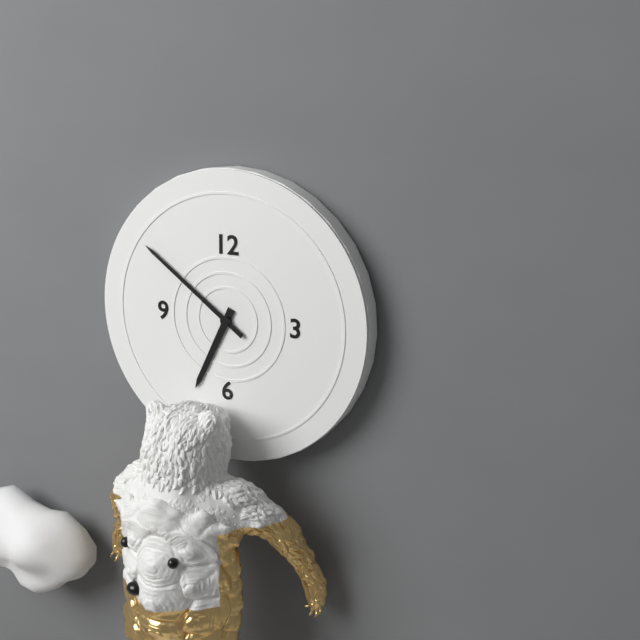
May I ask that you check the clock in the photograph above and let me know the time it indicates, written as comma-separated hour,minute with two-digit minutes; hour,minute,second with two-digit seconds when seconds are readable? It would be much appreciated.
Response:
6,51
